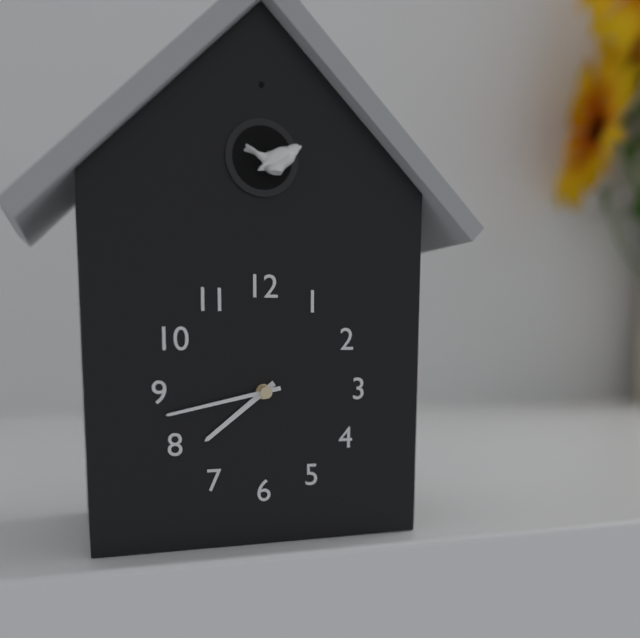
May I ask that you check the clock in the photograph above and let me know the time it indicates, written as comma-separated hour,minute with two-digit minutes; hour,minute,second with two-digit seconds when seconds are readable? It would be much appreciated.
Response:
7,43
